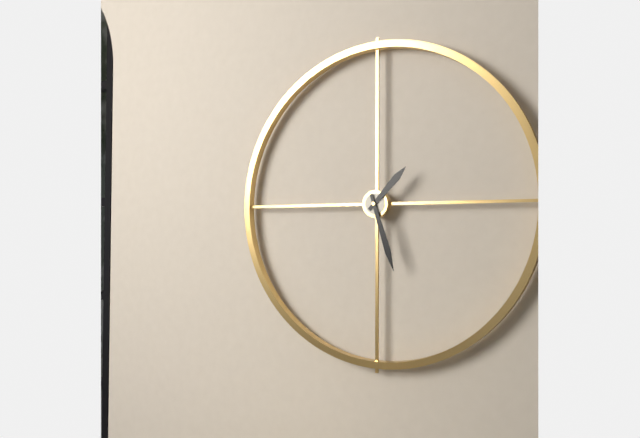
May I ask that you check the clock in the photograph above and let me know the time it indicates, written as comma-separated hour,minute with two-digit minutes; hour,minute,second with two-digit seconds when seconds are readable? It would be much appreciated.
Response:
1,27
